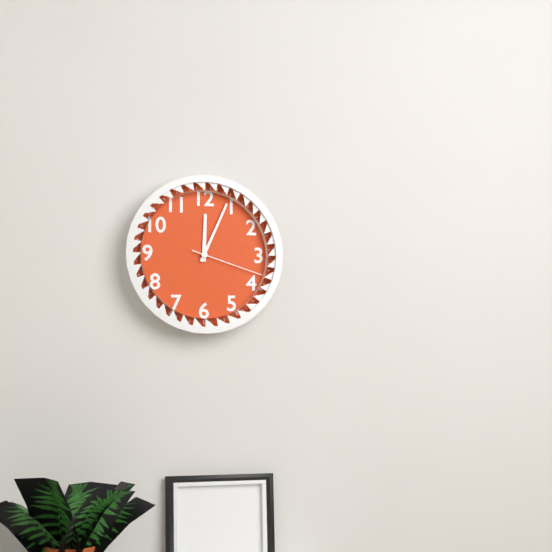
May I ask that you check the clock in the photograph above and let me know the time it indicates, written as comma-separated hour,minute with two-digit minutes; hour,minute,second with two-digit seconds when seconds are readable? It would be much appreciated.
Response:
12,04,18
